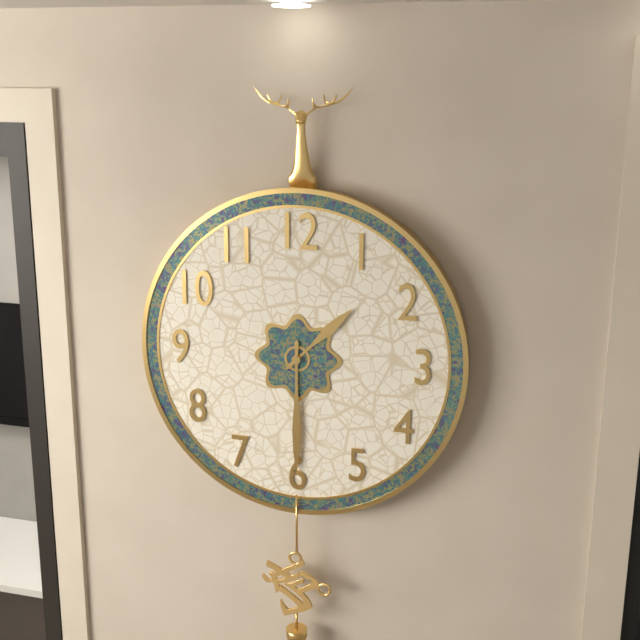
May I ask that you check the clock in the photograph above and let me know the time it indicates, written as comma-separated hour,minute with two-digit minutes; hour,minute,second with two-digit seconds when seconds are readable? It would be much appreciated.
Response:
1,30
